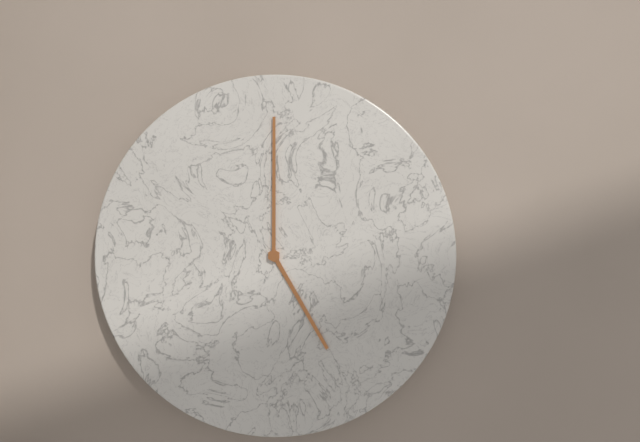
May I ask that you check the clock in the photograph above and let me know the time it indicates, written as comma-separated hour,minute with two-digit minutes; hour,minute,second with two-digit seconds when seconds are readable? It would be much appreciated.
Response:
5,00
